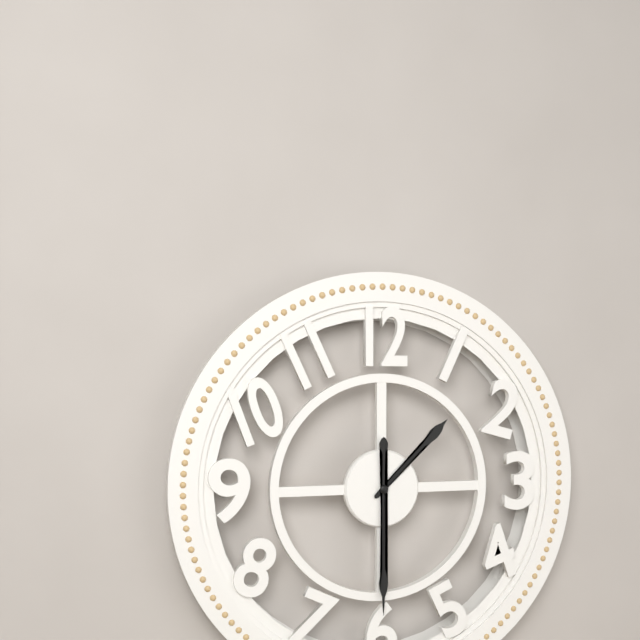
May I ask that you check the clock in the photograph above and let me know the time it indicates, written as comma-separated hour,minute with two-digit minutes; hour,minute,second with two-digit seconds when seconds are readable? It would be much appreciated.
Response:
1,30
